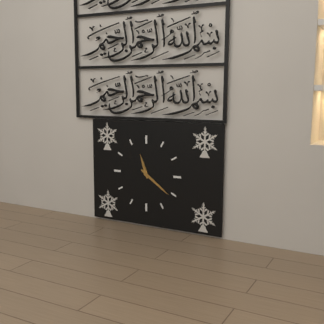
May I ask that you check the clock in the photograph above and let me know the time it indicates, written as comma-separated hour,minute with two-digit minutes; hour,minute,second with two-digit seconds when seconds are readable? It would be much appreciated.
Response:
11,21
